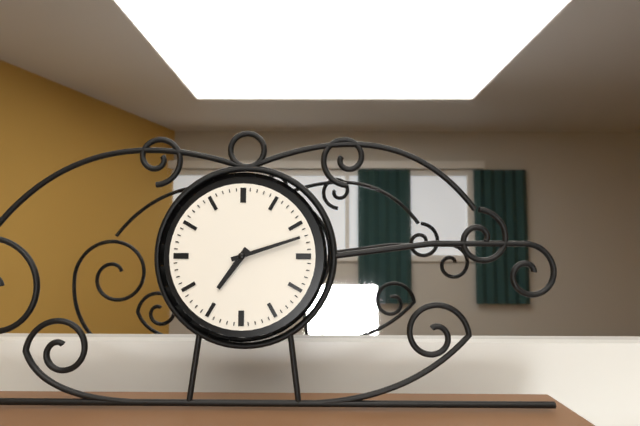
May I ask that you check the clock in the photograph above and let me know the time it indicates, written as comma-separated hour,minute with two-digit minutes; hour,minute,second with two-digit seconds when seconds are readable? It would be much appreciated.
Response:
7,12
